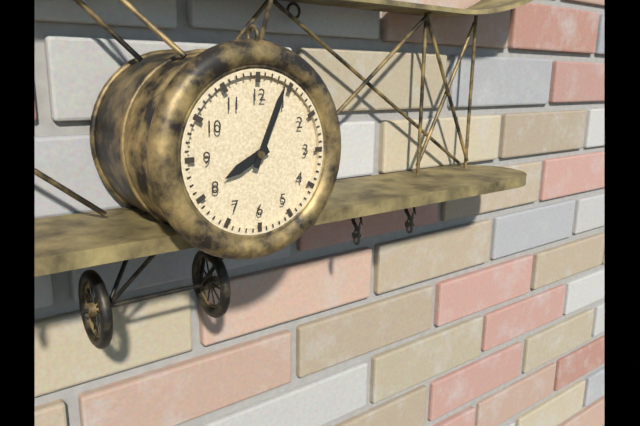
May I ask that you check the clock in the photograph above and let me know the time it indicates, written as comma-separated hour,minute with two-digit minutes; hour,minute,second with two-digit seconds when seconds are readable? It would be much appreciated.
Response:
8,04
